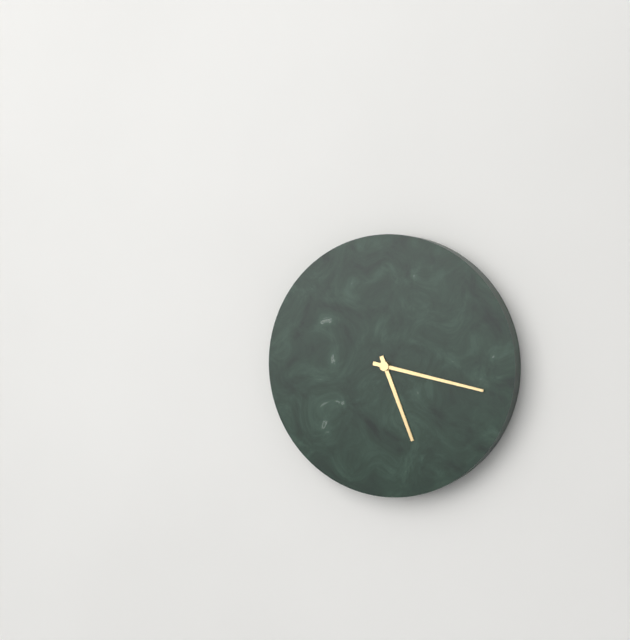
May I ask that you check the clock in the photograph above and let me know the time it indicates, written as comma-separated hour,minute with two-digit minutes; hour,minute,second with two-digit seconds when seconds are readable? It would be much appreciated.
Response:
5,17
